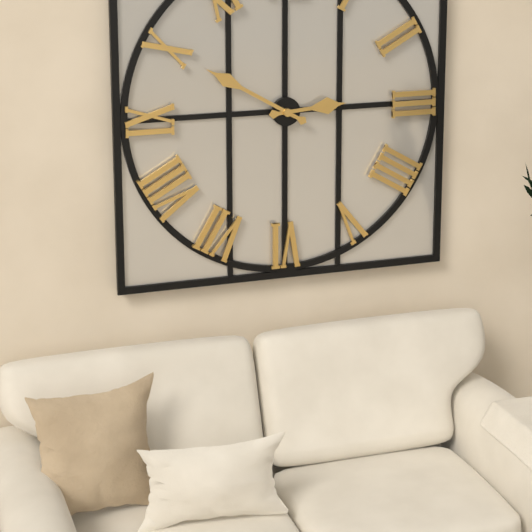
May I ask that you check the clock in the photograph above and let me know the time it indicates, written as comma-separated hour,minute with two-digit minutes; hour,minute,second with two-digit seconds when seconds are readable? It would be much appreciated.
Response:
2,50
